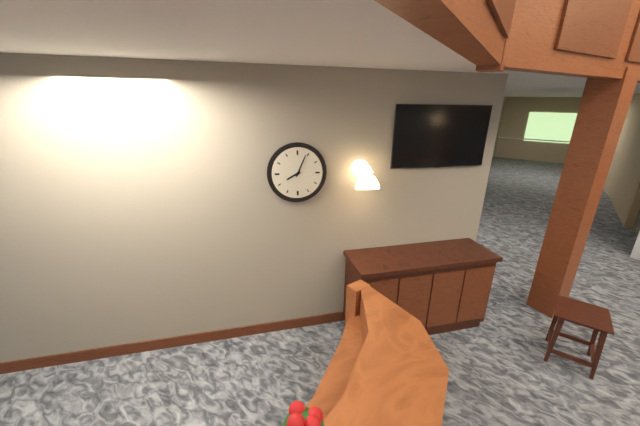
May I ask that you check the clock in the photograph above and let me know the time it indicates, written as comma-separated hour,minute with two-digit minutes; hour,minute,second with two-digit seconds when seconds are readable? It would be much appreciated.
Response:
8,04
